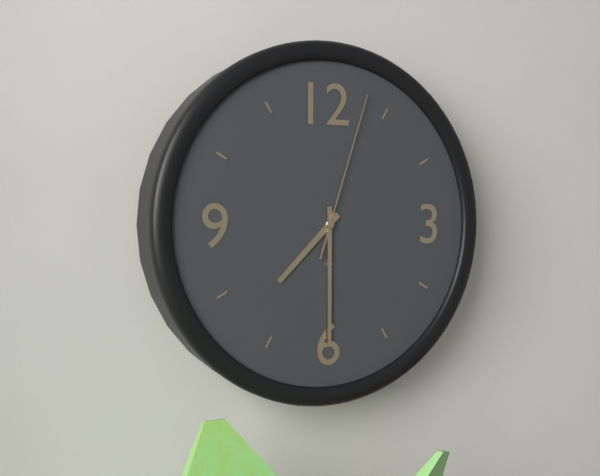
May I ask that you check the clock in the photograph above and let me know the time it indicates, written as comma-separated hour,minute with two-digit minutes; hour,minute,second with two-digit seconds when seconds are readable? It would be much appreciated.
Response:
7,30,03
